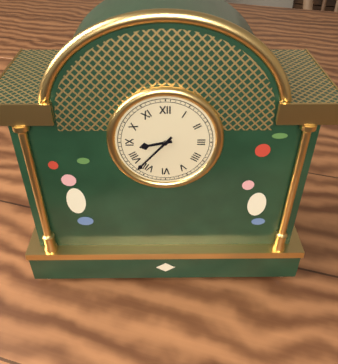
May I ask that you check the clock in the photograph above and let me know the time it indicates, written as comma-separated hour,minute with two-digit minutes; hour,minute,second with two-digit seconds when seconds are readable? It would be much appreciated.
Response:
8,37
